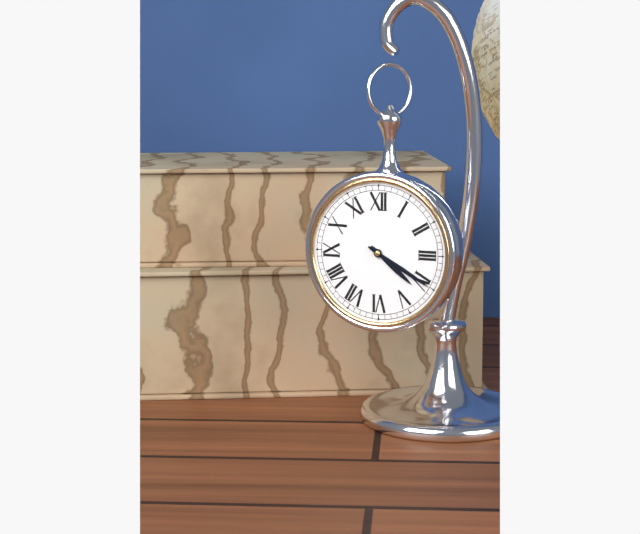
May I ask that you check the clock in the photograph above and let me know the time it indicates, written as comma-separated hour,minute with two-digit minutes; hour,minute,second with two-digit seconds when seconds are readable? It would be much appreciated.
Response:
4,20
